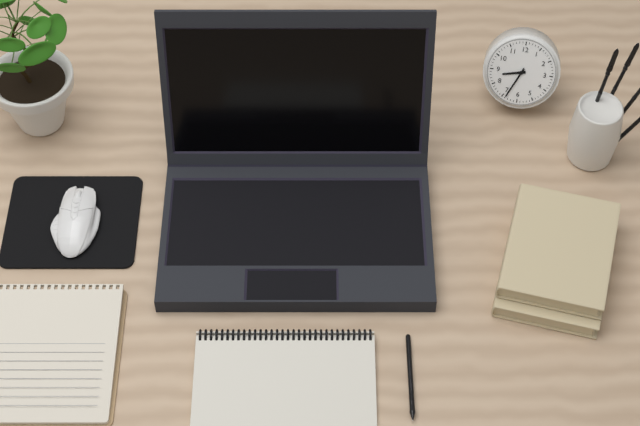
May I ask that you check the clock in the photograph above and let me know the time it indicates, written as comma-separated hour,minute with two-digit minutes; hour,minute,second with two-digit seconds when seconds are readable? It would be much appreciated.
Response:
8,34
